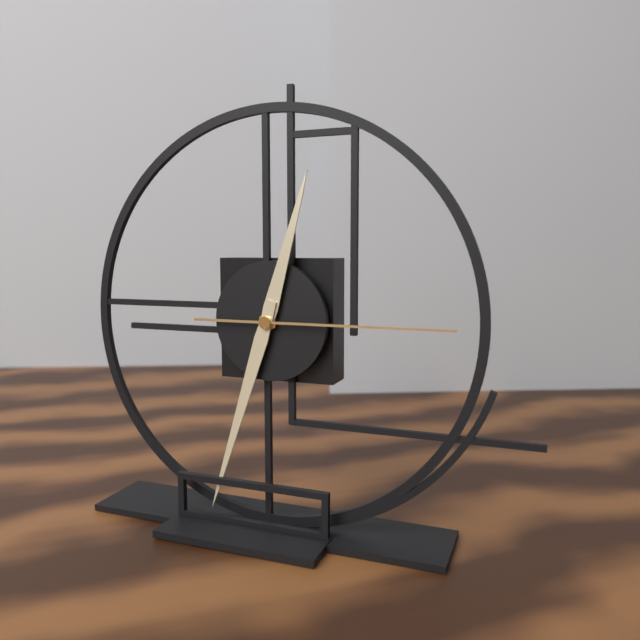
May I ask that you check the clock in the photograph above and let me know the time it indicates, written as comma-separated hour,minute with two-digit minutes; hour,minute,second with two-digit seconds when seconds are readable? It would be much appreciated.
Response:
12,33,15
